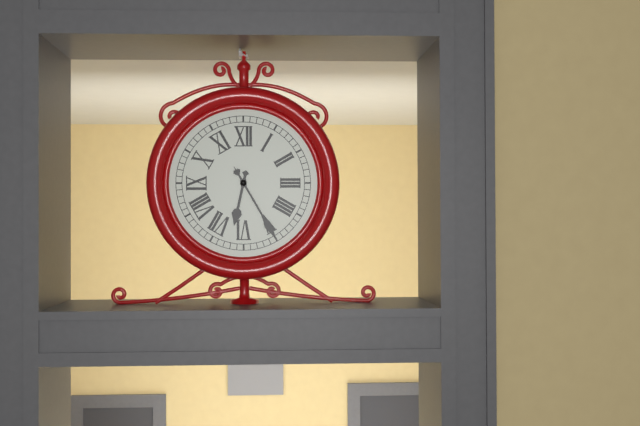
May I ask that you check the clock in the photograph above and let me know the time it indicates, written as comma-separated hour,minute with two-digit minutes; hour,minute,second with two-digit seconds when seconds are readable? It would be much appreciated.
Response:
6,25
